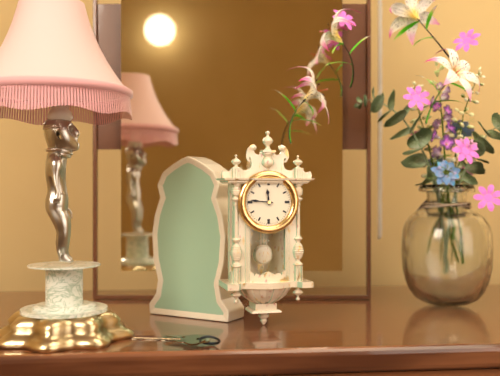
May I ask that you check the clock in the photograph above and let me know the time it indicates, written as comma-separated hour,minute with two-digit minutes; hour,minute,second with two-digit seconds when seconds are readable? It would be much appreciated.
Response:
11,46
